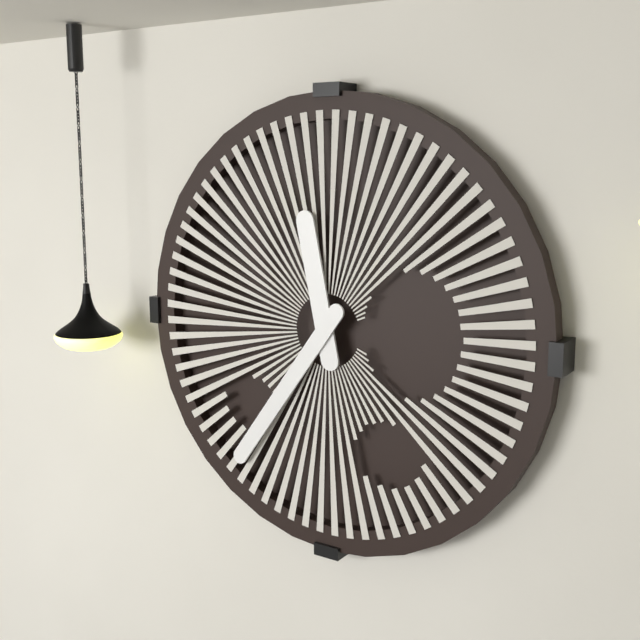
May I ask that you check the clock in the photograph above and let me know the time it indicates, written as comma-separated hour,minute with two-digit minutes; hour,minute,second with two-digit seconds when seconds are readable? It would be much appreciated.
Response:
11,36
